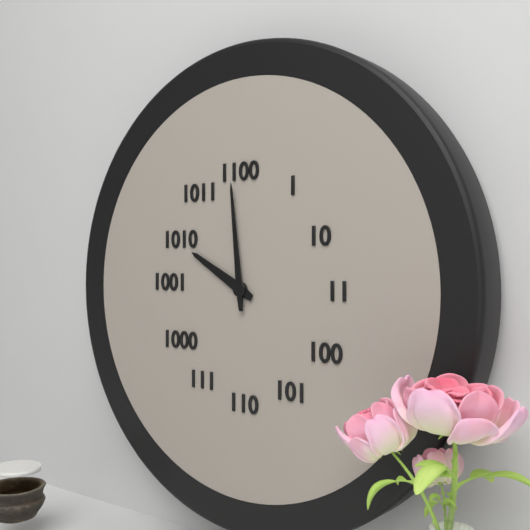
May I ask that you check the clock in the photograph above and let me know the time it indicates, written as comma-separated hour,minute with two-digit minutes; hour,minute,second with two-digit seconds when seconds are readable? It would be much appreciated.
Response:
9,59
